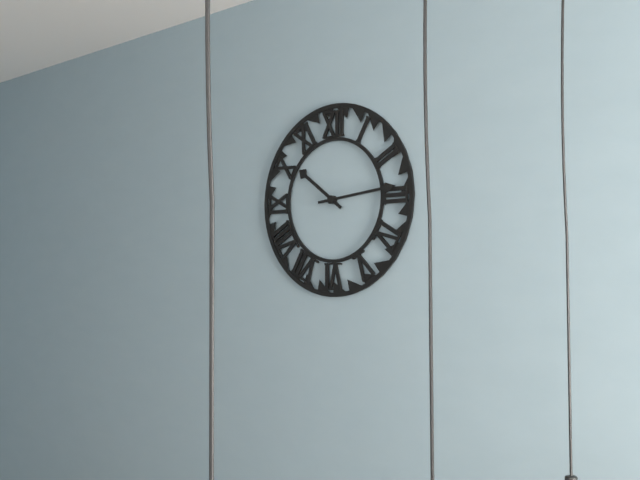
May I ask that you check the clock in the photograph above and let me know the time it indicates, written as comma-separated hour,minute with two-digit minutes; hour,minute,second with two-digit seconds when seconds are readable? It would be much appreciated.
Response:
10,14
